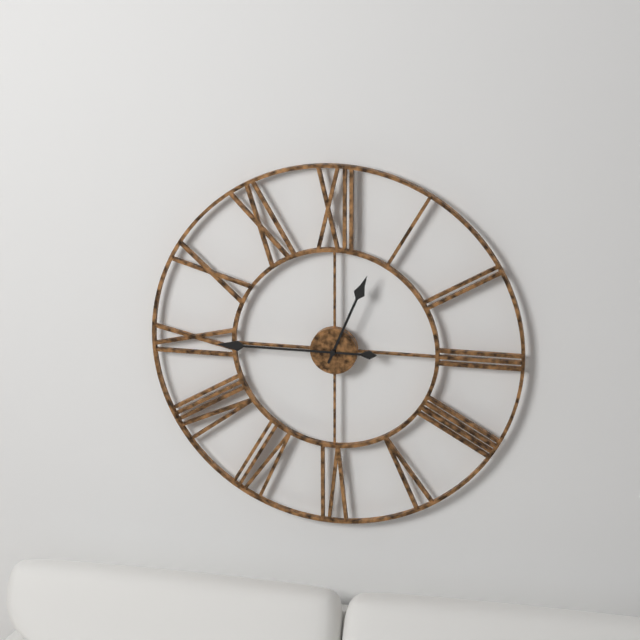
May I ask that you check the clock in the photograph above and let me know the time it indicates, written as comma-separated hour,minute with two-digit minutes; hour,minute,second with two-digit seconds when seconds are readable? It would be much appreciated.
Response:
12,45
